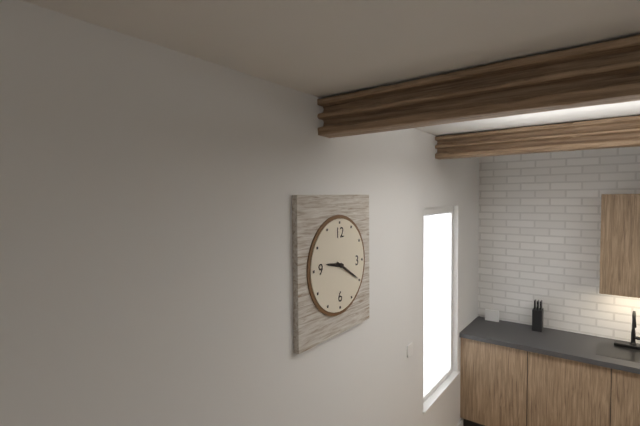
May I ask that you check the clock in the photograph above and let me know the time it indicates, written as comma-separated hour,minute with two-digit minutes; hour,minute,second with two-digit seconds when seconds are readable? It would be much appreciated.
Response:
9,20
